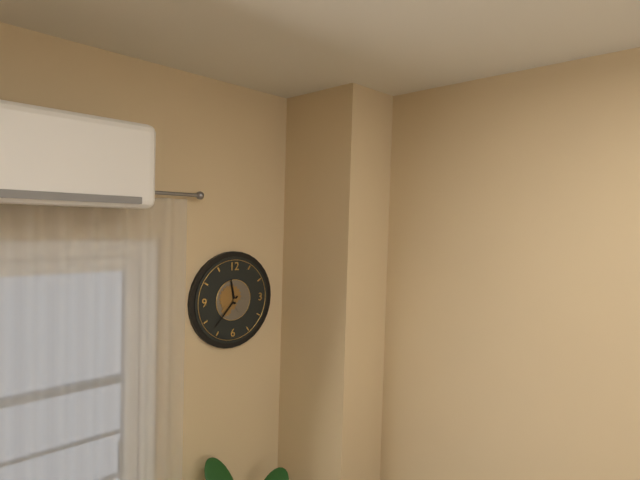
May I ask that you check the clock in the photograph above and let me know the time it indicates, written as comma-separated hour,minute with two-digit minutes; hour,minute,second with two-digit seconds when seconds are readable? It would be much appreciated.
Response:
11,37
